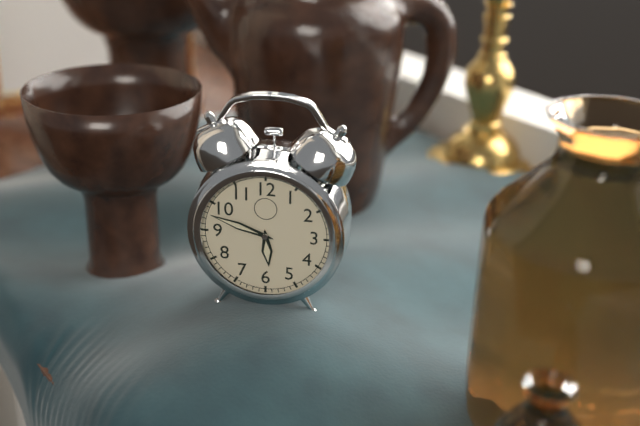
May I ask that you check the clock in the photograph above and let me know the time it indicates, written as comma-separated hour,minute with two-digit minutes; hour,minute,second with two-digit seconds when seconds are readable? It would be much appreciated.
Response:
5,48
